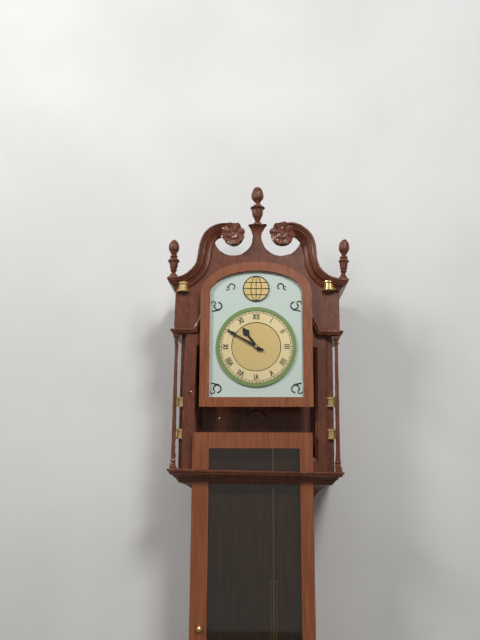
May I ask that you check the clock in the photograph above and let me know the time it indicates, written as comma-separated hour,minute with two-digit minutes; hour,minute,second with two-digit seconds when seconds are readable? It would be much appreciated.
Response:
10,50
